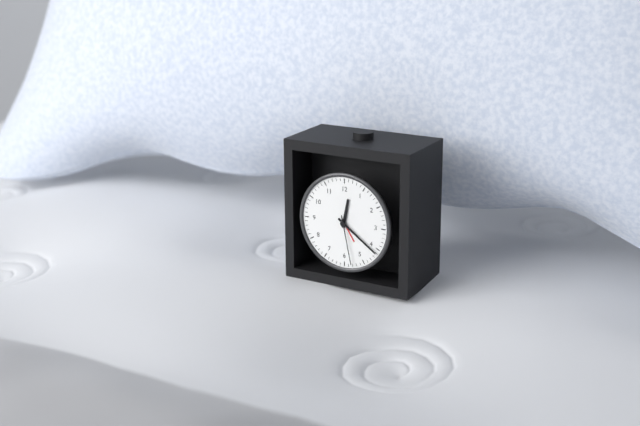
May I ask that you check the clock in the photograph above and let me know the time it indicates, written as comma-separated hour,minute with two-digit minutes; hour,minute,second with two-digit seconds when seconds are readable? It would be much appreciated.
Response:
12,21,28
